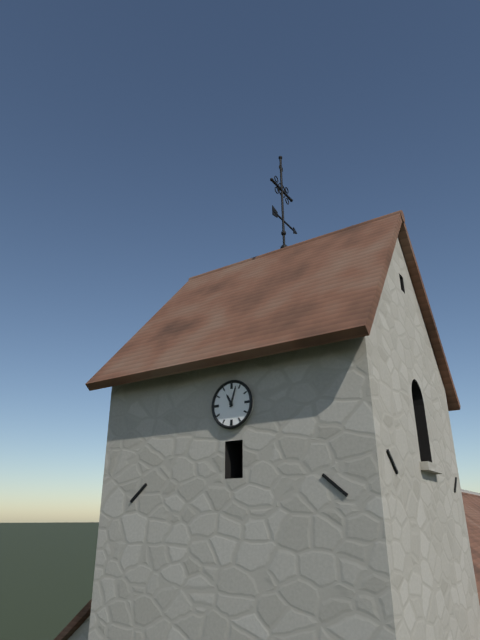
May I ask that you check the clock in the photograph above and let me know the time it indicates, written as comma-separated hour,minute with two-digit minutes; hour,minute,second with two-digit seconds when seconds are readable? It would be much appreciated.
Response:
11,03
